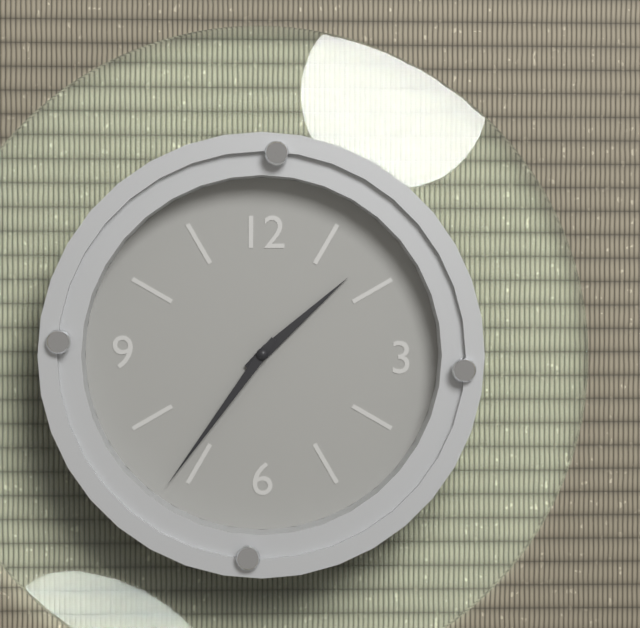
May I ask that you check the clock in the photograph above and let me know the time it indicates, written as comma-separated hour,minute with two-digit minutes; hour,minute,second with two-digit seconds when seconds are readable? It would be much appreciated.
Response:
1,36
